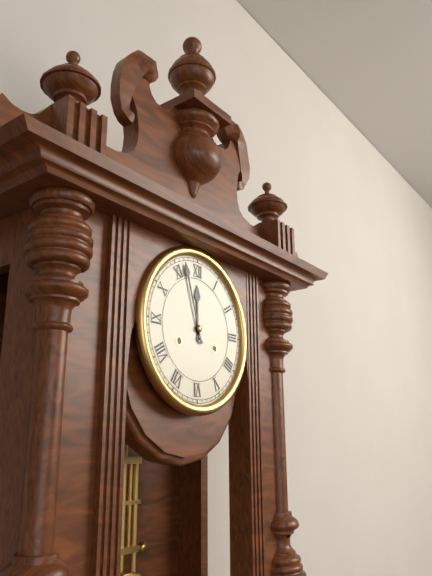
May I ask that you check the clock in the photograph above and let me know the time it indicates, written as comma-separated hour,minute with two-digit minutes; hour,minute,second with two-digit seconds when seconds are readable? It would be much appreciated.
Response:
11,57
